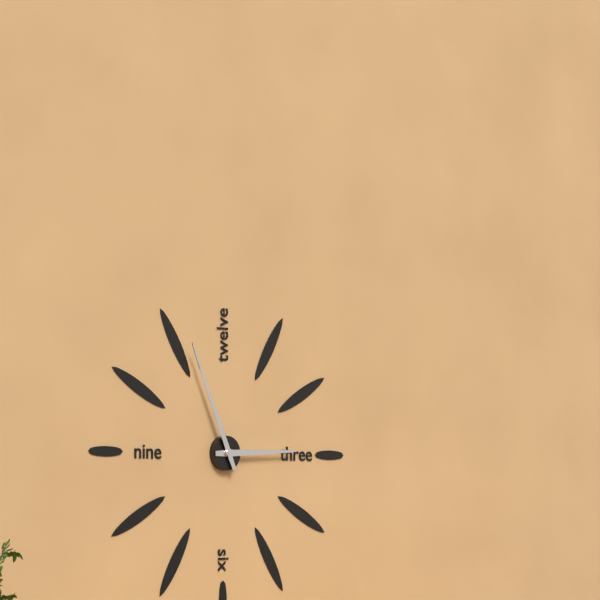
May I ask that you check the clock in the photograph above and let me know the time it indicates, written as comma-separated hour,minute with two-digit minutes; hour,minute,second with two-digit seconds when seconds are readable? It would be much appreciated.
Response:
2,56
